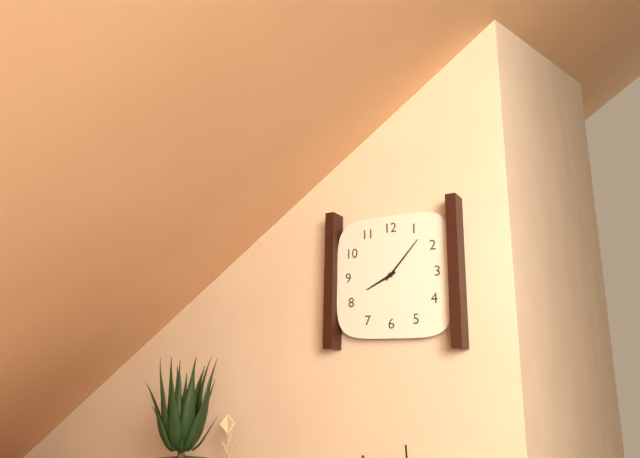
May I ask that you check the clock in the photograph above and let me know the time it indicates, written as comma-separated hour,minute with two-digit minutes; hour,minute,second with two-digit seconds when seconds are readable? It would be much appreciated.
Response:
8,07
